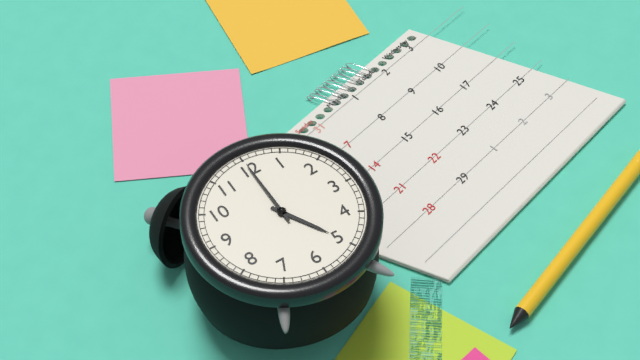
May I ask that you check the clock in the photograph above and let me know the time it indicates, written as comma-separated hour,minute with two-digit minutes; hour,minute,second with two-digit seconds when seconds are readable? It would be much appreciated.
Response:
5,00
